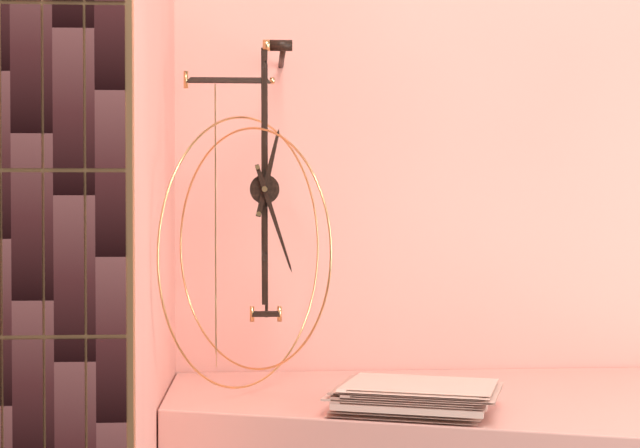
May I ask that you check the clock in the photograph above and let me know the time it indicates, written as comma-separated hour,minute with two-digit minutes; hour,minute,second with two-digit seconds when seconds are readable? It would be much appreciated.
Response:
12,27
